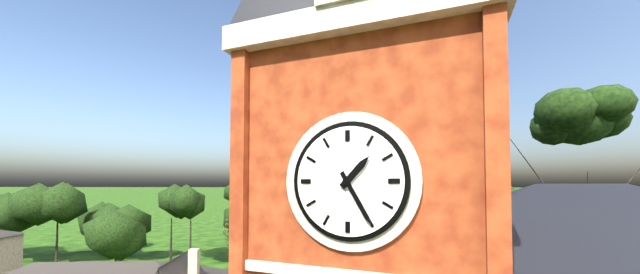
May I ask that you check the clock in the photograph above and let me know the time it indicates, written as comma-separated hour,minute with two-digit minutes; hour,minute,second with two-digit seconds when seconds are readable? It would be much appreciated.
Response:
1,25
